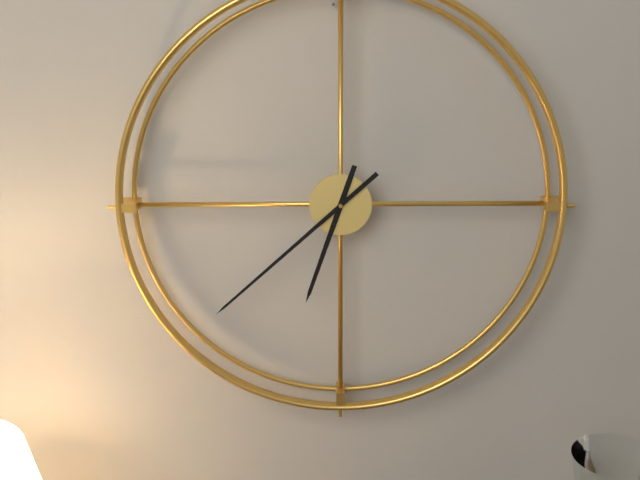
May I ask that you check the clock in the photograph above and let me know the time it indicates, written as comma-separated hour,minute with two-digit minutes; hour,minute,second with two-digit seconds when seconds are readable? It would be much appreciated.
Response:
6,38
